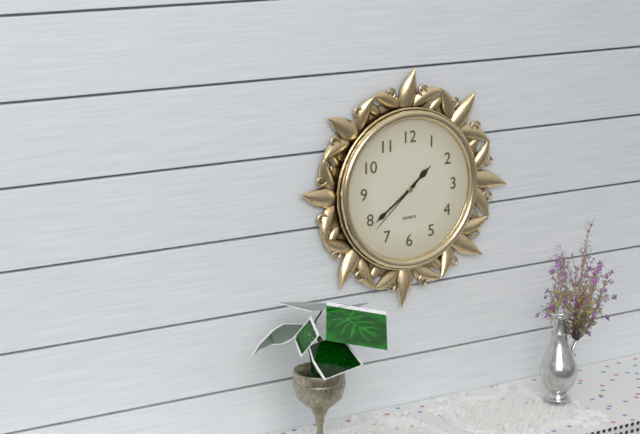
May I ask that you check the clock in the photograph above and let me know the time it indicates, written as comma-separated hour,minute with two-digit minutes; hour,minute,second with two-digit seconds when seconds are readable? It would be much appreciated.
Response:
1,39,38
